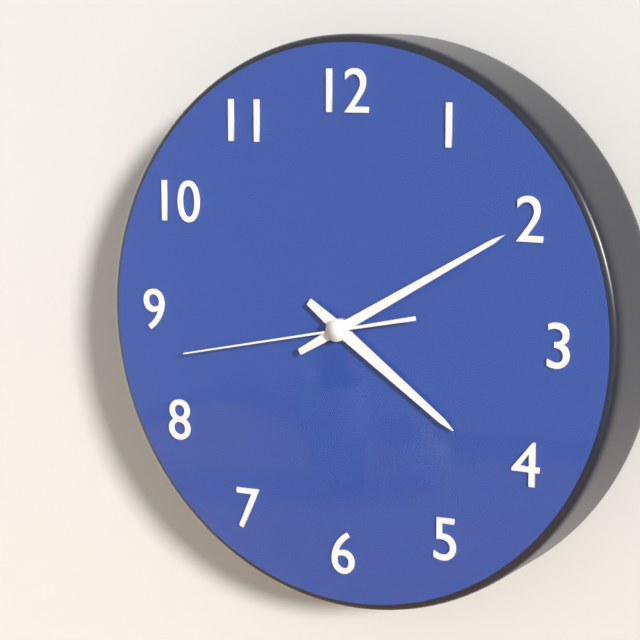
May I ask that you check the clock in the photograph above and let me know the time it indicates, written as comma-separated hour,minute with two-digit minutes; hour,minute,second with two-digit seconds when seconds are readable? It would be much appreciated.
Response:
4,10,43
